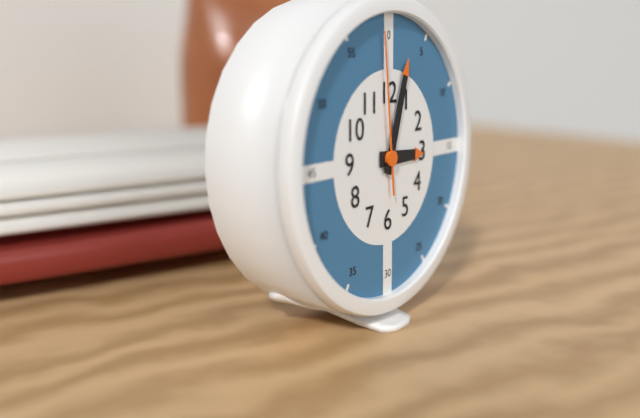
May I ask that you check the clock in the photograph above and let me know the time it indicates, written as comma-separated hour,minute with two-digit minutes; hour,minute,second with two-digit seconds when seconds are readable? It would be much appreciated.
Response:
3,03,59
